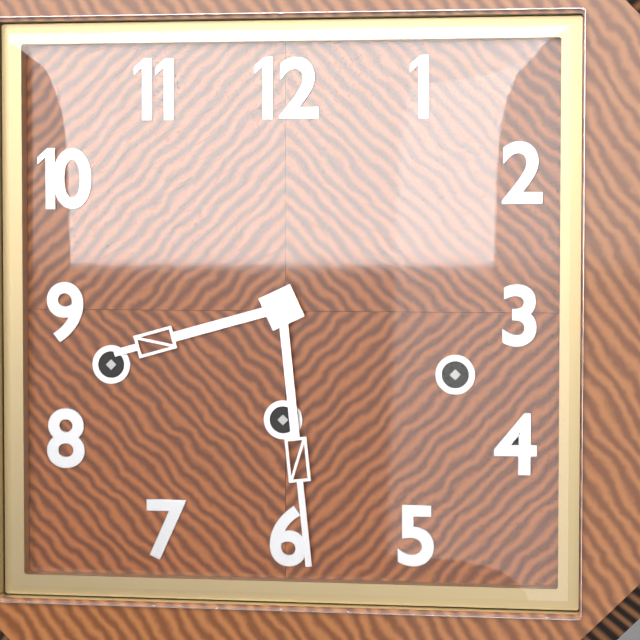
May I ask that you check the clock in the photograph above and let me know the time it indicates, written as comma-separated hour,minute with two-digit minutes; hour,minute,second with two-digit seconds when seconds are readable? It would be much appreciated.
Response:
8,29
